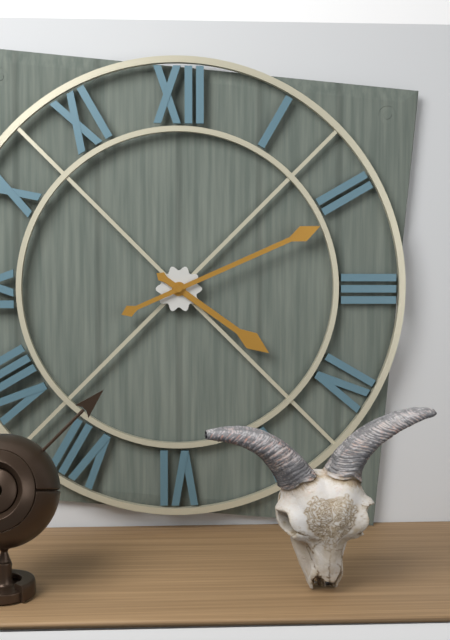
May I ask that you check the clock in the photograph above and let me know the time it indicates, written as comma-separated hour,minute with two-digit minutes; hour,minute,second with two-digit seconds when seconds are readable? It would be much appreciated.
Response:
4,11
